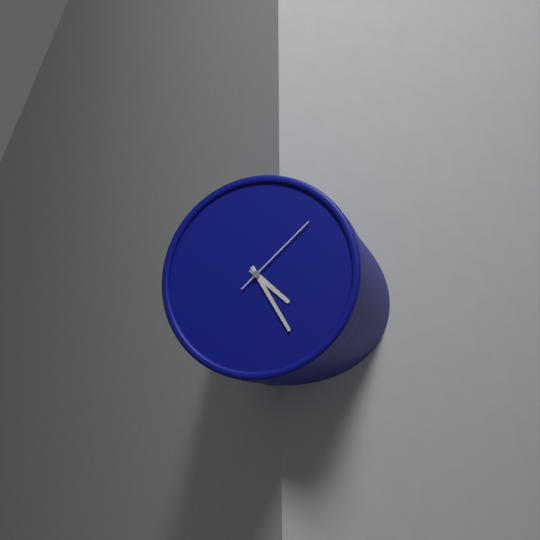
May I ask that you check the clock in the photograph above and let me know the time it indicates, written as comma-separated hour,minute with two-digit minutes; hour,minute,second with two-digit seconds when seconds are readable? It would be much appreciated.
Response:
4,25,08
